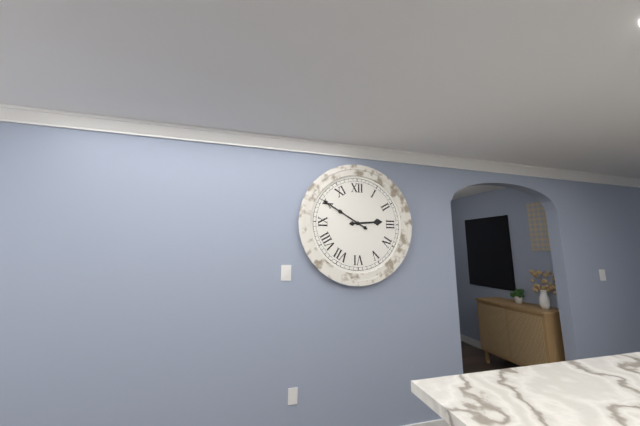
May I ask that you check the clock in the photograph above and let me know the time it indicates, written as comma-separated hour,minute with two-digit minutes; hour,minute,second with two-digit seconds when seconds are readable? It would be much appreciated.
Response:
2,50
